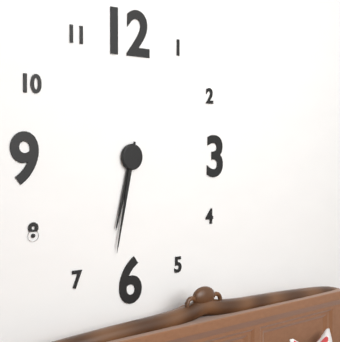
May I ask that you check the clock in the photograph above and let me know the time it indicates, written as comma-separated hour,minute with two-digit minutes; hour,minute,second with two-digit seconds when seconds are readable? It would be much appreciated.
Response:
6,32
